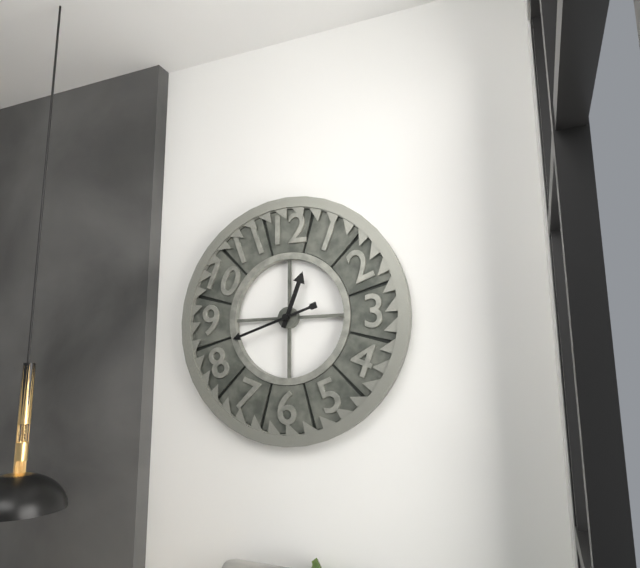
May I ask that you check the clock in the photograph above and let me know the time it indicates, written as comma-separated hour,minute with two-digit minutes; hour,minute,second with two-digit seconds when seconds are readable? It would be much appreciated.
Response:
12,42
